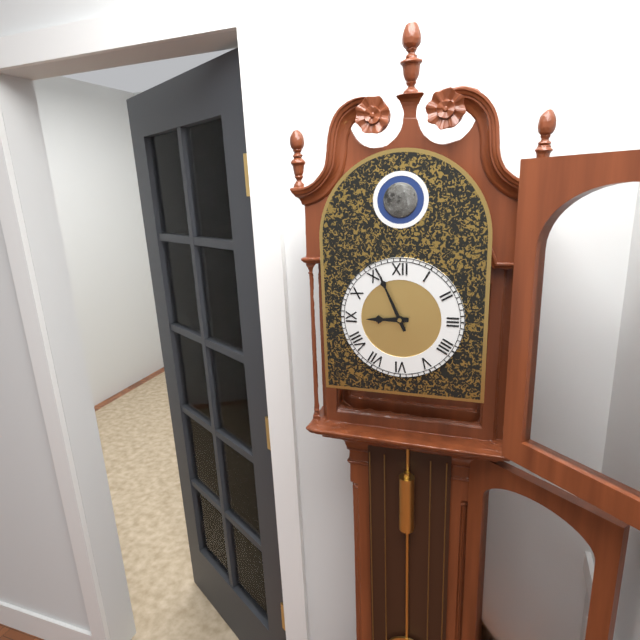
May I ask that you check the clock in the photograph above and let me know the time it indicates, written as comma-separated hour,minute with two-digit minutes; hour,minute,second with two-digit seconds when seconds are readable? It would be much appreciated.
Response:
8,56
